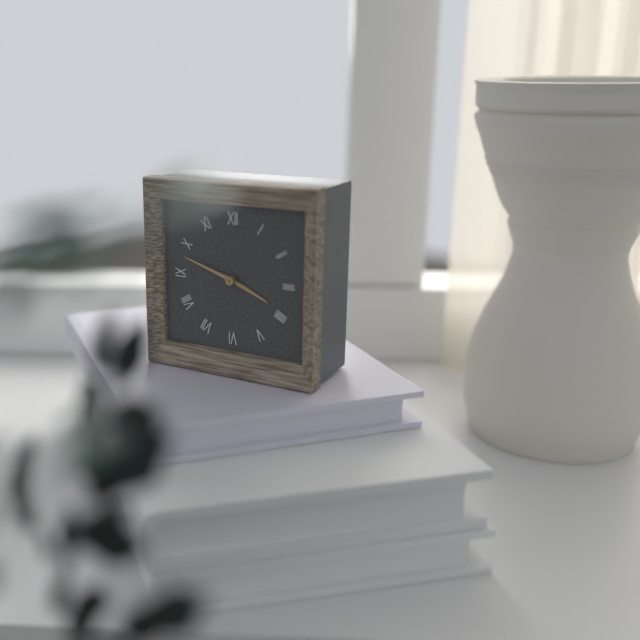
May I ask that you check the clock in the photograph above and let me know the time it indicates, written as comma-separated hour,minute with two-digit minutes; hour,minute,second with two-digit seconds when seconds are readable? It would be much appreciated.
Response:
3,48
